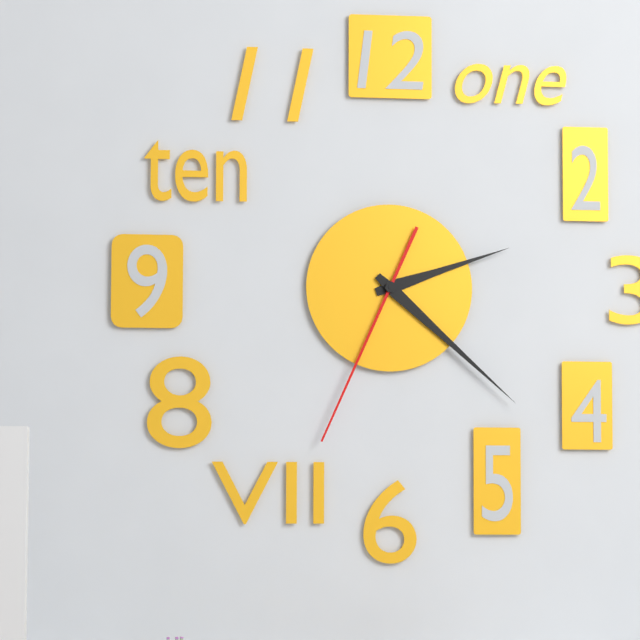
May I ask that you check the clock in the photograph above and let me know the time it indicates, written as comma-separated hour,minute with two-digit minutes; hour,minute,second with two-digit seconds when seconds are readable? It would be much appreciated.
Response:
2,22,34
